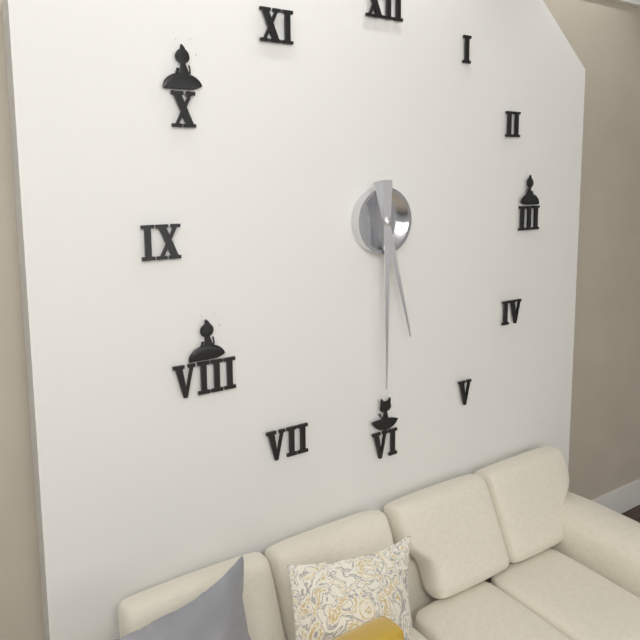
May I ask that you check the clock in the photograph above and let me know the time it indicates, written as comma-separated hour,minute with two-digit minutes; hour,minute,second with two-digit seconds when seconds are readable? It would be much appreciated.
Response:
5,30
